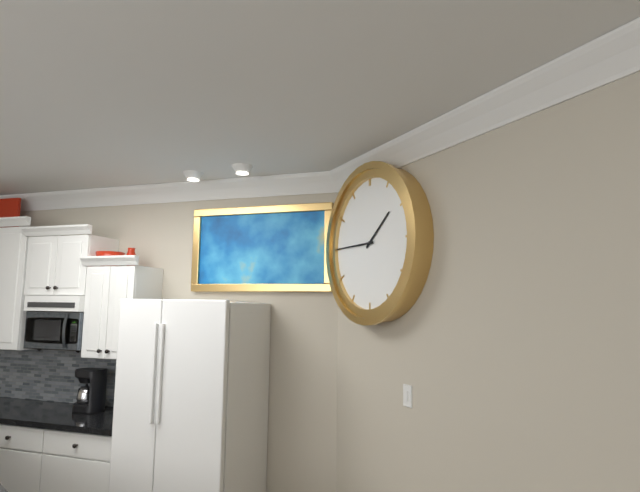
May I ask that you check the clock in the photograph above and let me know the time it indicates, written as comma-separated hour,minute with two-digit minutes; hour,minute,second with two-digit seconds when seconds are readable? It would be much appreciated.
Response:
1,45
